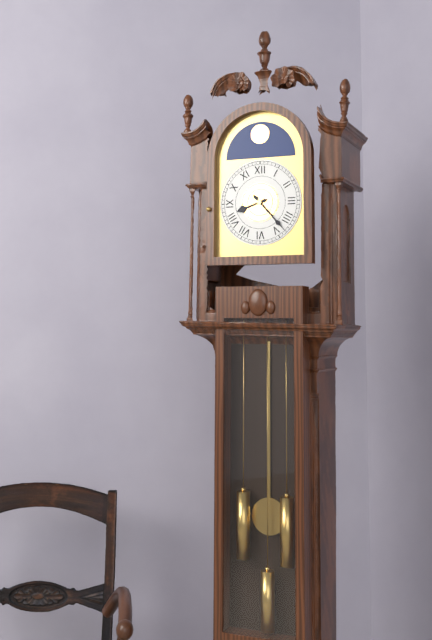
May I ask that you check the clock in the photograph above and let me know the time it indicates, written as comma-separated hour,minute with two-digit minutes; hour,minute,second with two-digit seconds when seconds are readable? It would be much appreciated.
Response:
8,23
